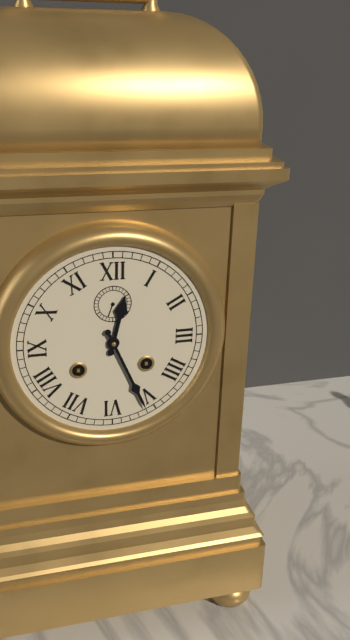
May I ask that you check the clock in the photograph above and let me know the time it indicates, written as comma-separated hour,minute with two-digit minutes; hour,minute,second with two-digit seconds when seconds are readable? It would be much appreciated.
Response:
12,26
